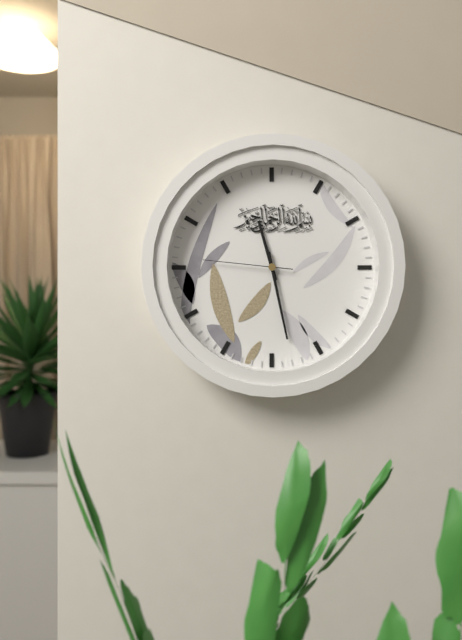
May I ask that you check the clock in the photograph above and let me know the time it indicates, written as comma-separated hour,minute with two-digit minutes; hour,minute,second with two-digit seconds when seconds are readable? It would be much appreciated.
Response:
11,28,46
